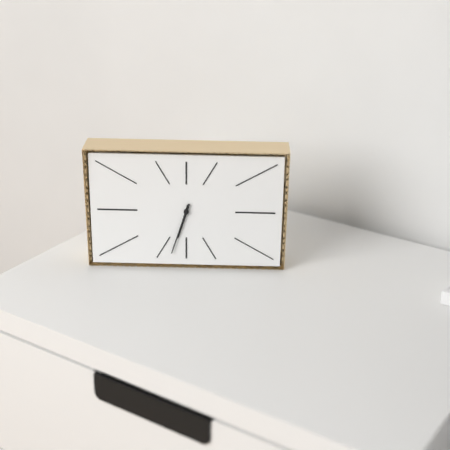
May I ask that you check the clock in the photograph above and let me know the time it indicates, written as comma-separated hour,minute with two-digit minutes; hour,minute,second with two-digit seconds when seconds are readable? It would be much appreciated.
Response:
6,33
